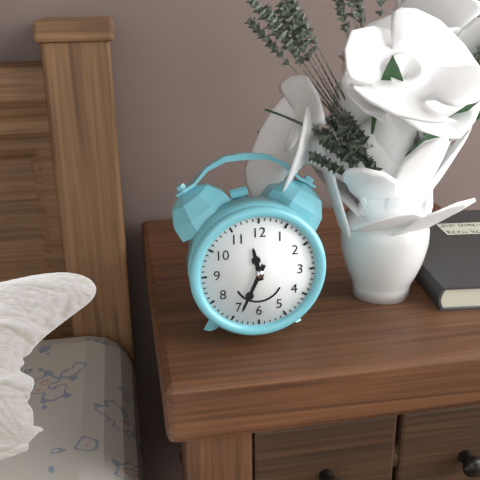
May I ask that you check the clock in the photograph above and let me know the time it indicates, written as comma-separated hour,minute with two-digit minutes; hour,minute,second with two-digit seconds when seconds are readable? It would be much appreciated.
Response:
11,34
